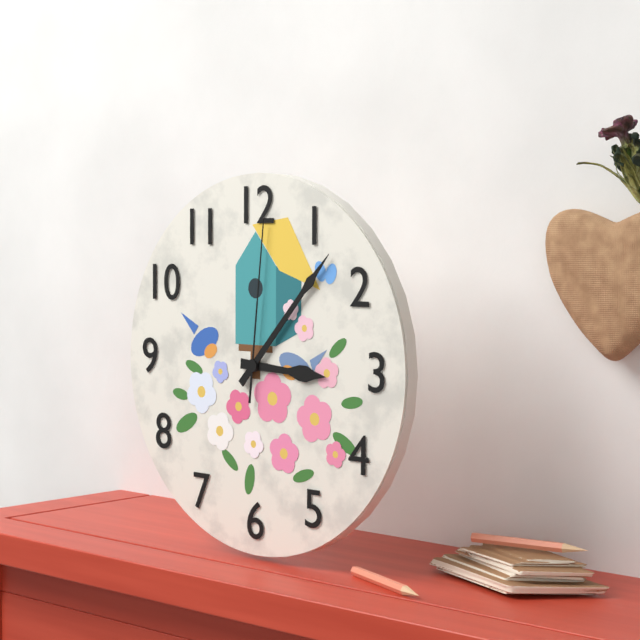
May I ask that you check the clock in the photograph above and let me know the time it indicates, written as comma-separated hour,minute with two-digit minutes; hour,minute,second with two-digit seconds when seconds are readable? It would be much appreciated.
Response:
3,07,01
